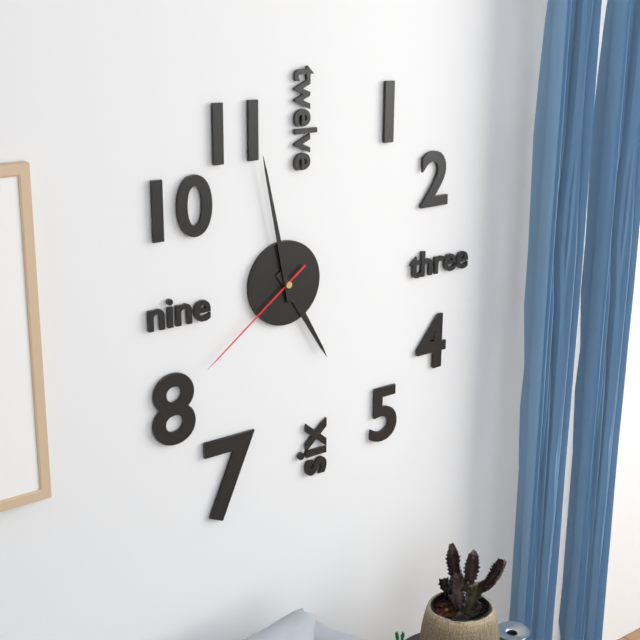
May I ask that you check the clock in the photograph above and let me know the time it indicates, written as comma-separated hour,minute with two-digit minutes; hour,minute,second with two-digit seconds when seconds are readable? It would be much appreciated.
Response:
4,58,39
